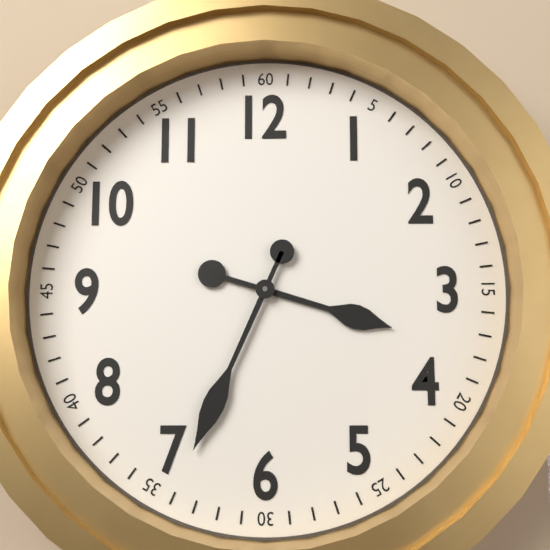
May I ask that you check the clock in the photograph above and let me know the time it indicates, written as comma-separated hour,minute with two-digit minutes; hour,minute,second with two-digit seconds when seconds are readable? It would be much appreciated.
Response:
3,34
